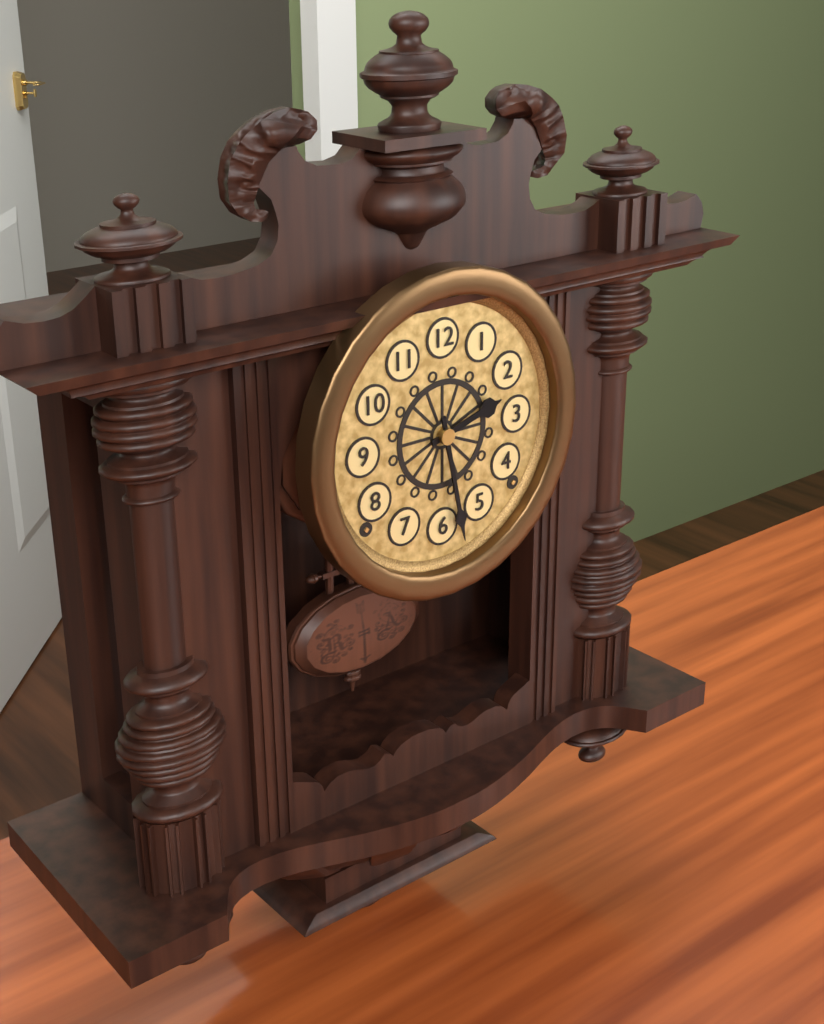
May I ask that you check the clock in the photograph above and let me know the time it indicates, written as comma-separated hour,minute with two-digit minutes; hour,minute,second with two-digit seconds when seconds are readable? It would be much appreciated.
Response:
2,28
